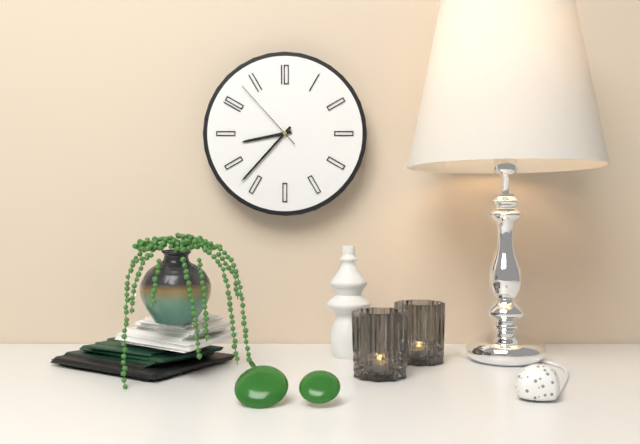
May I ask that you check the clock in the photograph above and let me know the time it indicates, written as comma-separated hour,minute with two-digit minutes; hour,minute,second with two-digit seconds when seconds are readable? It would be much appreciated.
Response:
8,37,53
